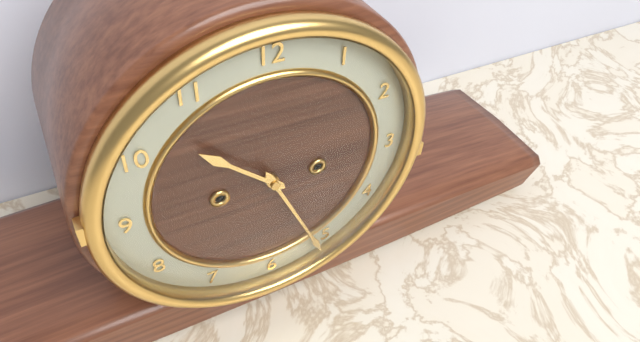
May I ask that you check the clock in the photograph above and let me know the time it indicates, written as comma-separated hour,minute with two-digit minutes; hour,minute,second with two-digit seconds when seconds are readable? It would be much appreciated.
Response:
10,26
